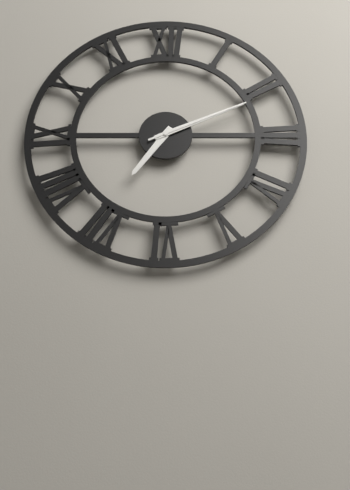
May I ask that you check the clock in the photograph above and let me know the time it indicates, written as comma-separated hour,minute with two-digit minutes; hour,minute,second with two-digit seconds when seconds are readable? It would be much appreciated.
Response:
7,11,11
